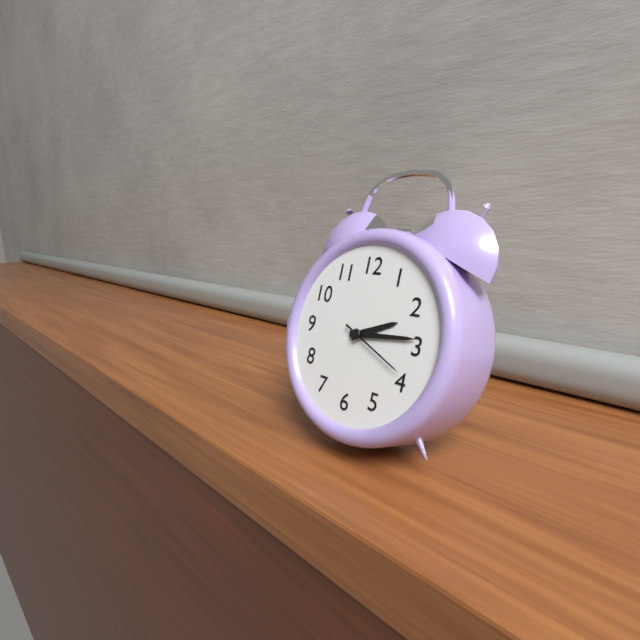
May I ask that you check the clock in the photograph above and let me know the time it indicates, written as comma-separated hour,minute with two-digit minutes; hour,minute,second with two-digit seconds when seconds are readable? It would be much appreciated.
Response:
2,14,19
